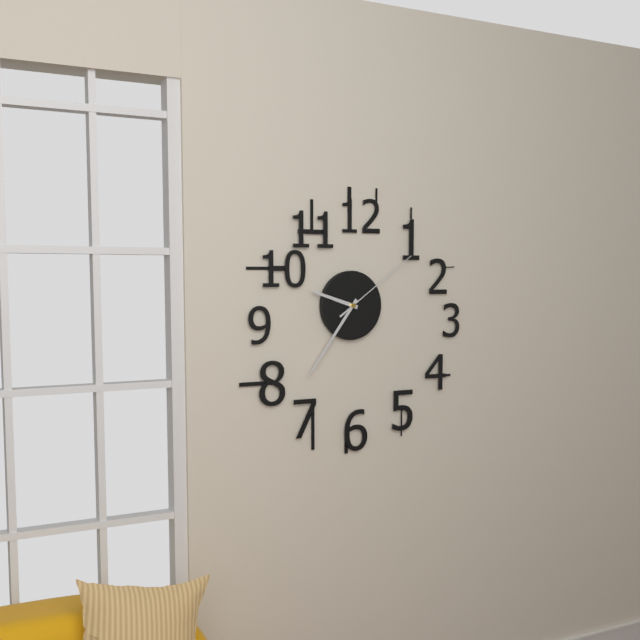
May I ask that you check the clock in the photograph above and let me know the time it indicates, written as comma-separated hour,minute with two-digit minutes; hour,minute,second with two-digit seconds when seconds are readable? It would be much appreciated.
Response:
9,36,09
